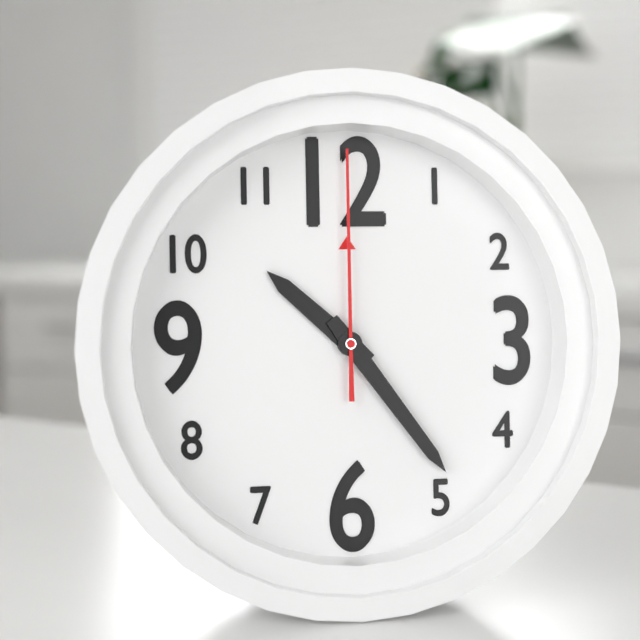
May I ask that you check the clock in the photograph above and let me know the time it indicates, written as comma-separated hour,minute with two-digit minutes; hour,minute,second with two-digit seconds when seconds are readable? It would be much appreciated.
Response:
10,24,00
